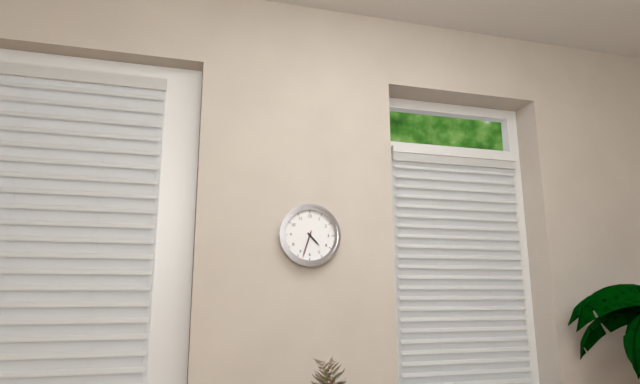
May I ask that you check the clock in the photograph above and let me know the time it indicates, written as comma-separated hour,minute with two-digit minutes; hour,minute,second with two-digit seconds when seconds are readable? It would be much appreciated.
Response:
4,33
